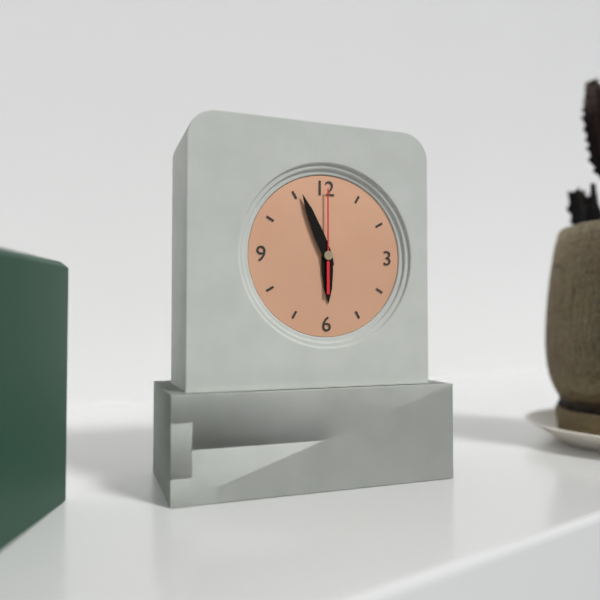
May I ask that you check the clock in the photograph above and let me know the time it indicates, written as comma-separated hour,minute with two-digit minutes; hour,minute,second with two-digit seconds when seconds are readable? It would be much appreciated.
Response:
5,56,00
